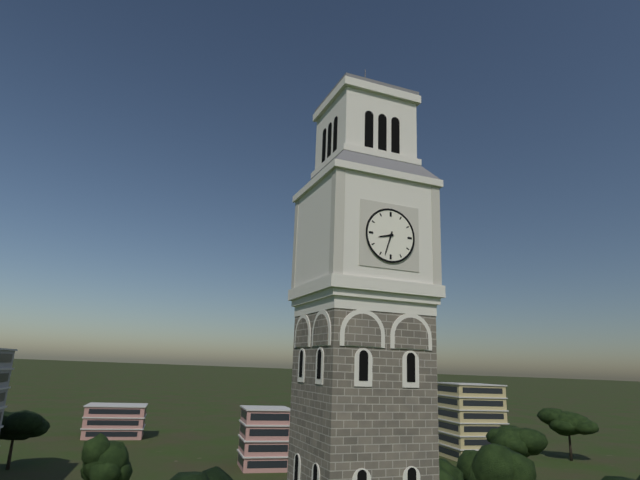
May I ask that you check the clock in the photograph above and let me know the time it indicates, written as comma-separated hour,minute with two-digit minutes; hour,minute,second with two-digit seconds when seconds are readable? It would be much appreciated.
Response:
8,33
